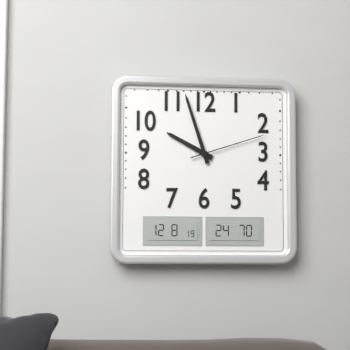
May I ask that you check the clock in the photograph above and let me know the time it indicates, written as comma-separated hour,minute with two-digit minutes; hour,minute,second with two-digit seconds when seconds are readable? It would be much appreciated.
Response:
9,57,12
